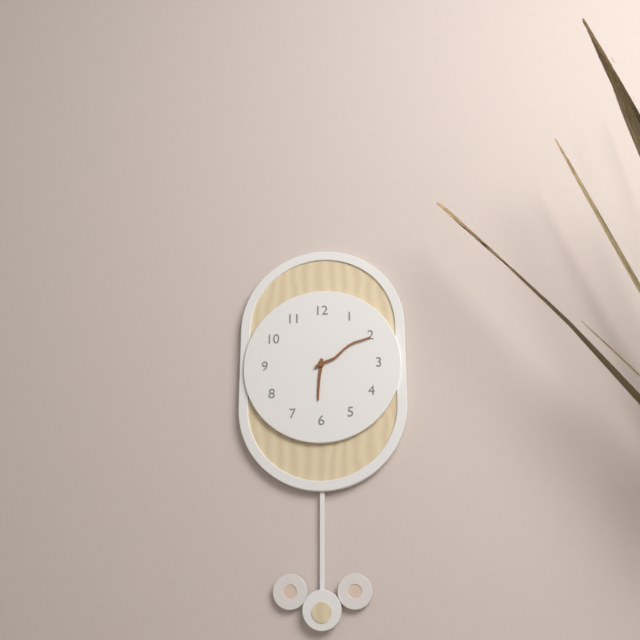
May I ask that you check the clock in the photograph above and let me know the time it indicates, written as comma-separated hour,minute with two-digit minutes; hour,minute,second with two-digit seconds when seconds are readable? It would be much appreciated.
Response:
6,10
